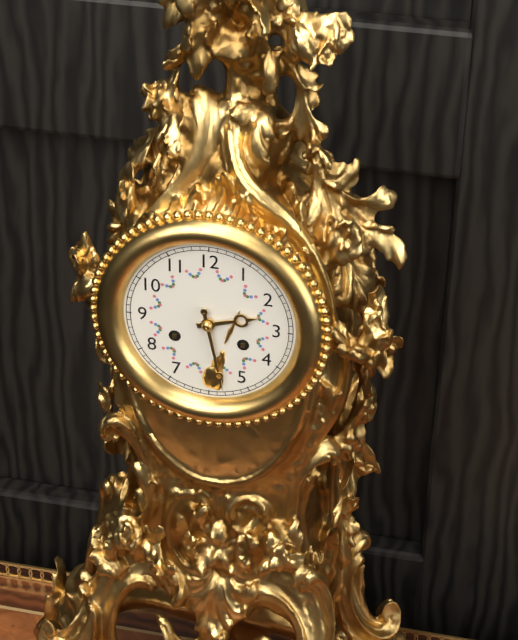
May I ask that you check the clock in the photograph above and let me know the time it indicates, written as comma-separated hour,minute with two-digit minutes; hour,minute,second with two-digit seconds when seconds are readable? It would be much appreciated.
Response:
2,28
